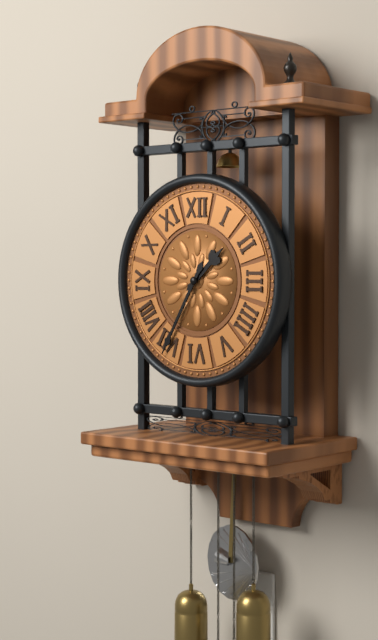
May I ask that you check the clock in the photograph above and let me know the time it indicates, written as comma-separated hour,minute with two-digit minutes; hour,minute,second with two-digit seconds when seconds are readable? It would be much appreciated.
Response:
1,35
